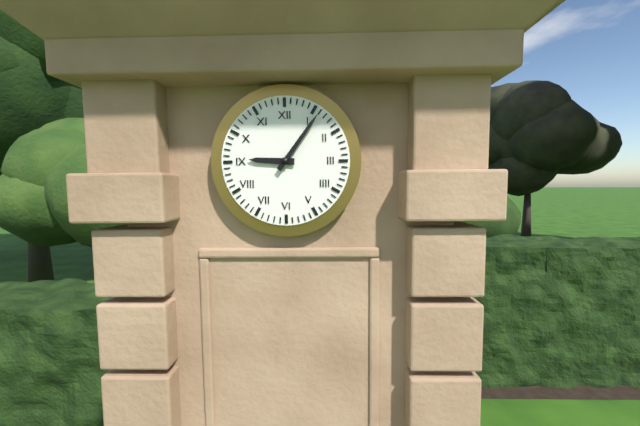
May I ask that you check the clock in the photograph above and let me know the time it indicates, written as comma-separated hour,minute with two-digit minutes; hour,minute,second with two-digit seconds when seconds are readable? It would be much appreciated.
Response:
9,06
